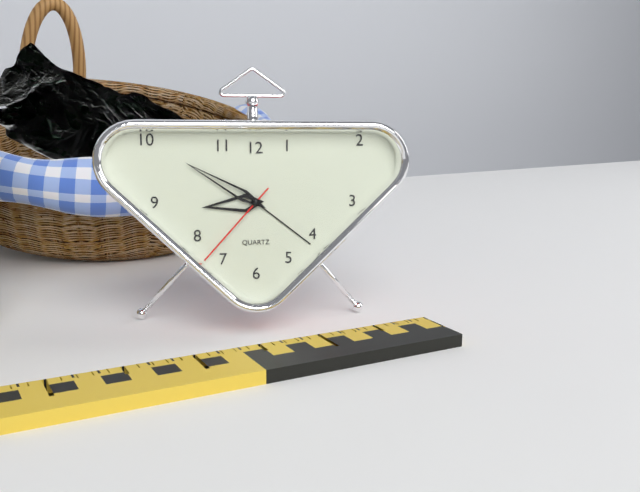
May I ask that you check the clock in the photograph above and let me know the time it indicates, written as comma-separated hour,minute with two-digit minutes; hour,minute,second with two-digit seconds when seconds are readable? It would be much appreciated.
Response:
8,50,37
